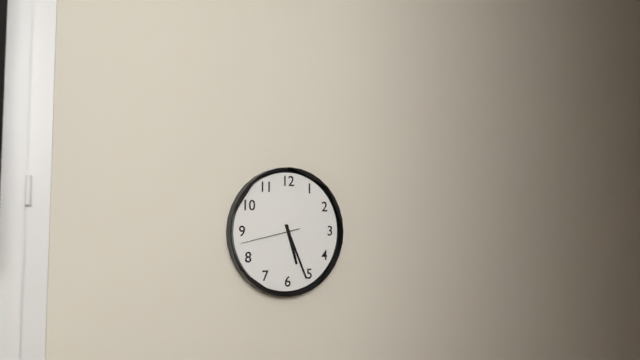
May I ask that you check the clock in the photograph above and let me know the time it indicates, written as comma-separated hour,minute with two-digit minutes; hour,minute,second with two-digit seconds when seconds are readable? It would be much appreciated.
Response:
5,26,43
